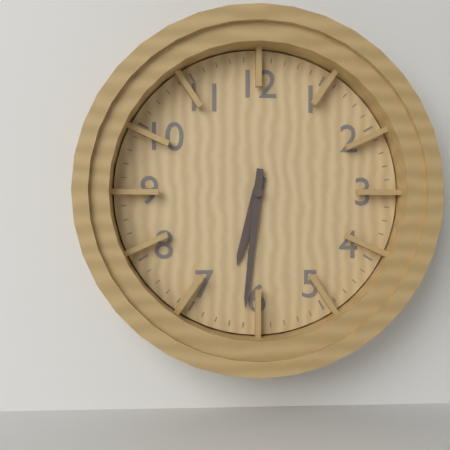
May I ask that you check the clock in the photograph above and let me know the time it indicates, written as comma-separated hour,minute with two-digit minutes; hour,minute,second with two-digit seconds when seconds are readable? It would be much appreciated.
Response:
6,31
